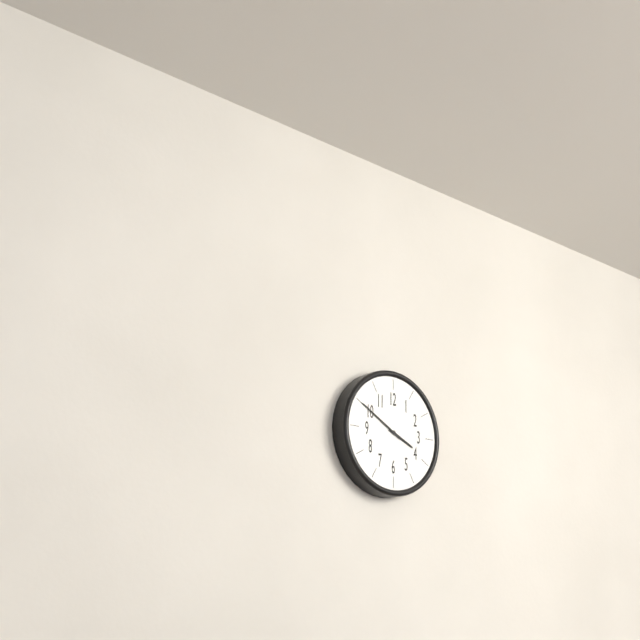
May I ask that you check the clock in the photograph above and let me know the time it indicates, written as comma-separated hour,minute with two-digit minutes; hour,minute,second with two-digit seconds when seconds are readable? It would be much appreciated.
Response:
3,50
